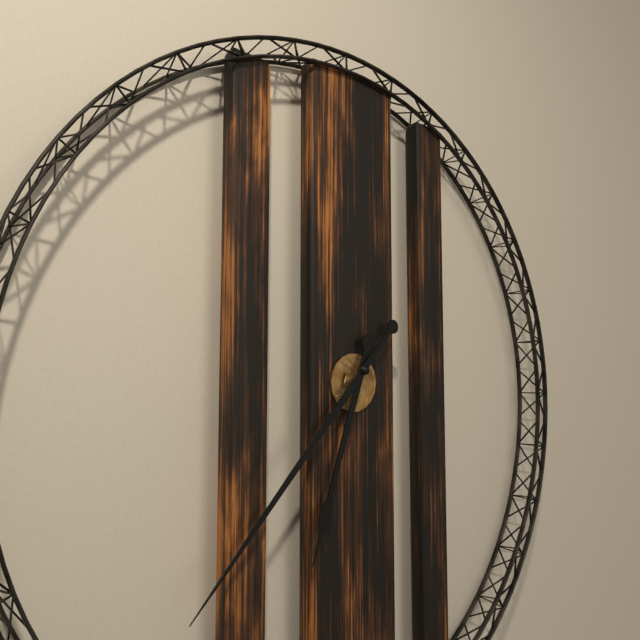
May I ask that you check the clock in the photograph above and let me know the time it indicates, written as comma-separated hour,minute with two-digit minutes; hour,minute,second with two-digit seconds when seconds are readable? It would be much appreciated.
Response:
6,37
